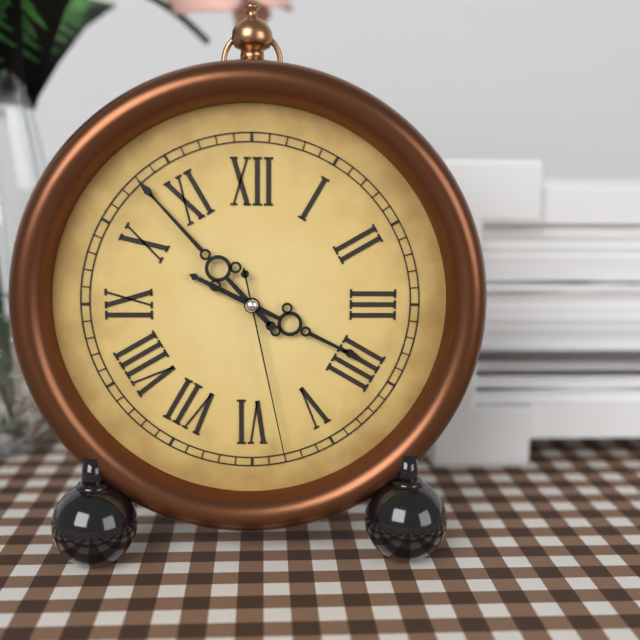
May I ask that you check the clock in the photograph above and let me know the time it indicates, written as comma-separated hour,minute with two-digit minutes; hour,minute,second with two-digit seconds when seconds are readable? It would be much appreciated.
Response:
3,53,28
